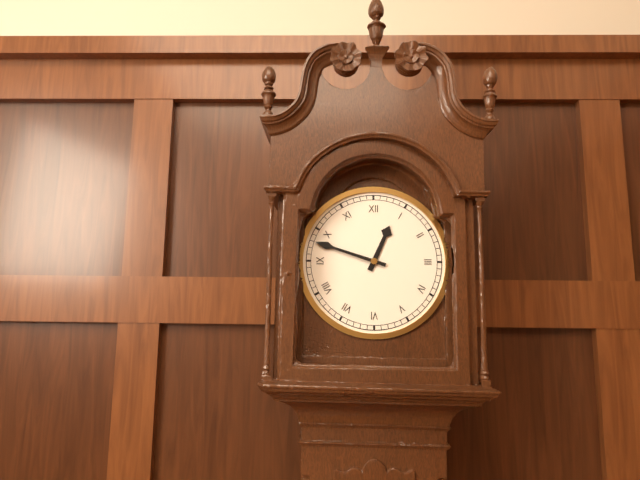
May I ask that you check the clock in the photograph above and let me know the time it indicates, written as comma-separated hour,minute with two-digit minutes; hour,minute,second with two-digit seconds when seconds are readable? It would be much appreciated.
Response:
12,48
